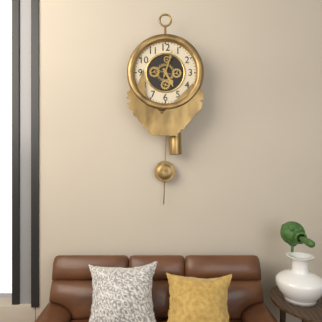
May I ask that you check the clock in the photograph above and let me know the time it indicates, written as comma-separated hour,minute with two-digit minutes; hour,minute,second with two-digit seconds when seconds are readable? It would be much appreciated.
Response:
5,03
